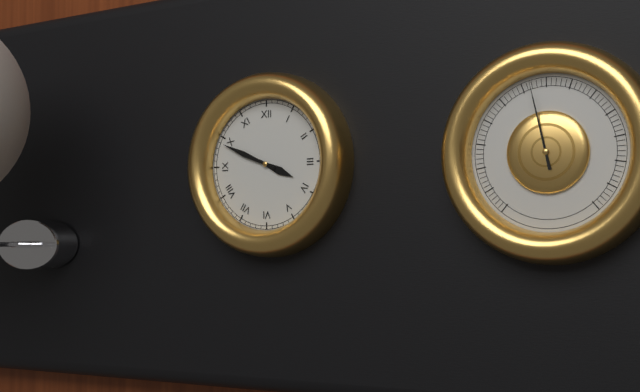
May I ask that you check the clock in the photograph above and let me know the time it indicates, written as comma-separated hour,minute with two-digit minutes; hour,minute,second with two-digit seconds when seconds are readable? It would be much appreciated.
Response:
3,49
